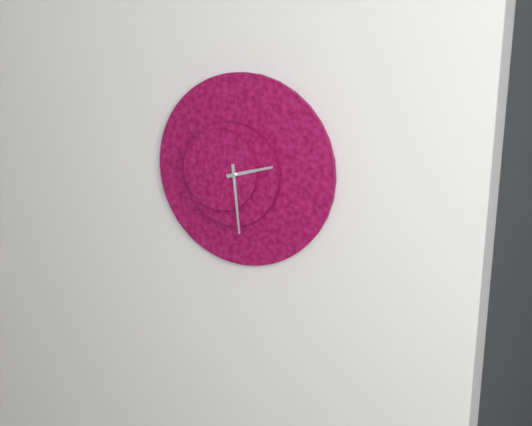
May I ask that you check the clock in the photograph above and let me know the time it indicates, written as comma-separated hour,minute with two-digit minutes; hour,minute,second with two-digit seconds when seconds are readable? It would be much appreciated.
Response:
2,29
